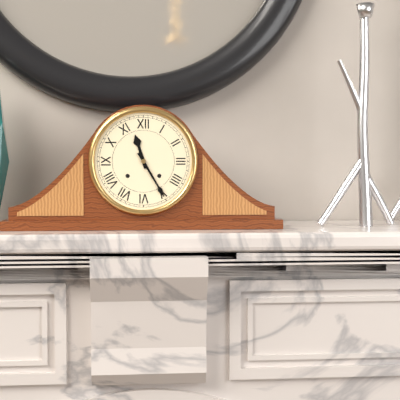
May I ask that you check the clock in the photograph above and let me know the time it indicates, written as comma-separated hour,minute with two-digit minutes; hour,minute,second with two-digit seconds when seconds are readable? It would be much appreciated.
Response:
11,25
